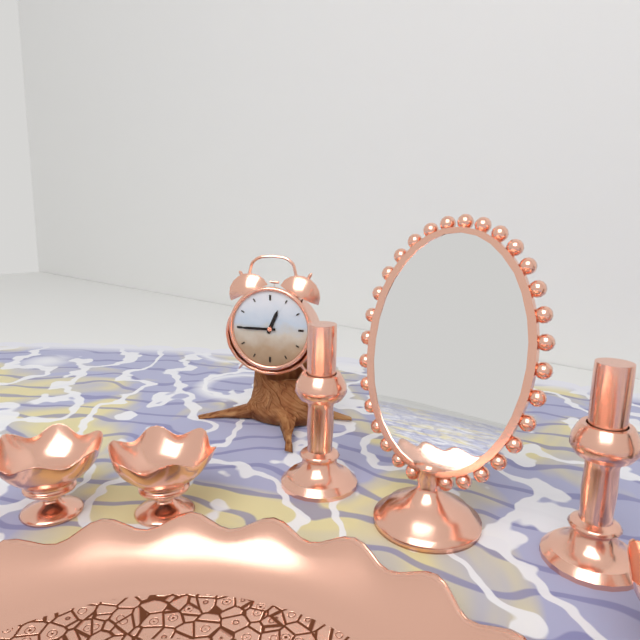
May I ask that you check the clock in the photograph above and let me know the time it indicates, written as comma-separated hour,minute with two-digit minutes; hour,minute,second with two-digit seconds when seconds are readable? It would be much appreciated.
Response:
12,45
